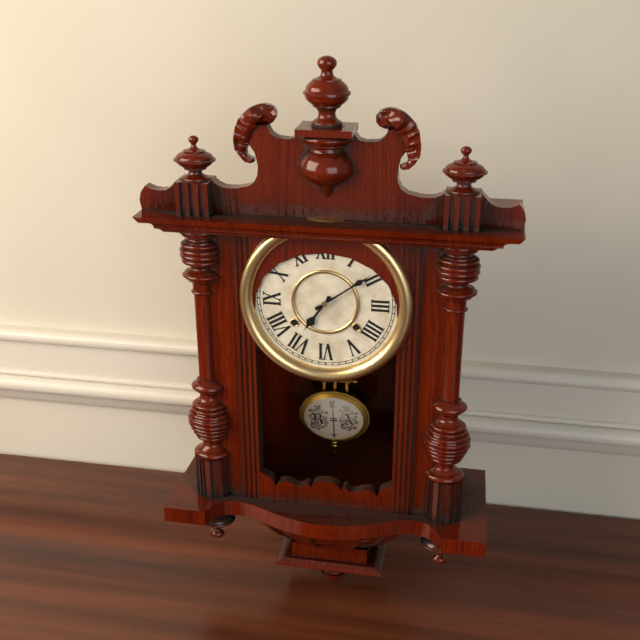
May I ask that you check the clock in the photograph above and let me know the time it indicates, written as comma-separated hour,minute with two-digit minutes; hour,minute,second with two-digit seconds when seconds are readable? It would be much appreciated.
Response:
7,09
